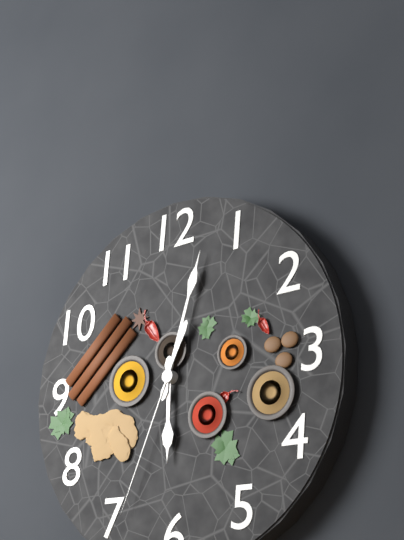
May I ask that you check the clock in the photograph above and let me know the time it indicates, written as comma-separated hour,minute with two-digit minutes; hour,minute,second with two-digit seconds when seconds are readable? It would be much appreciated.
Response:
6,03,34
